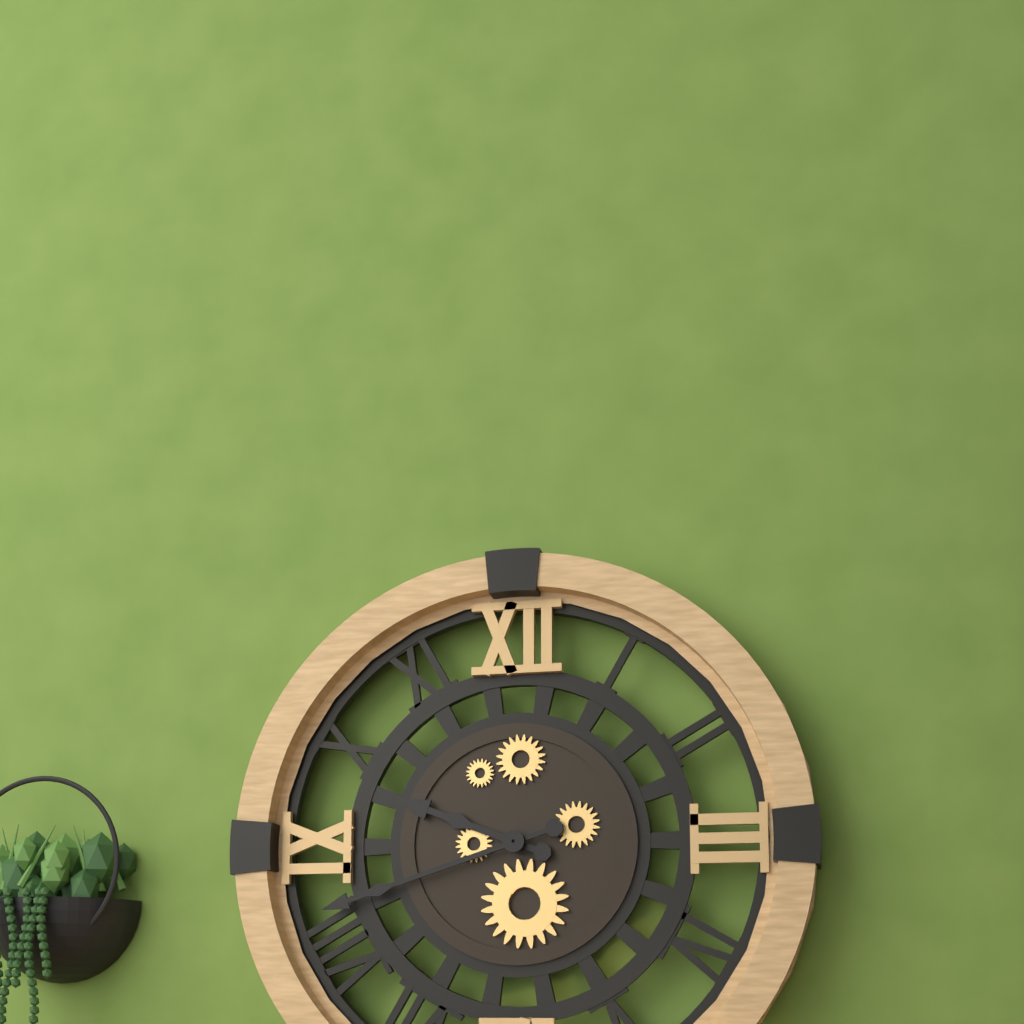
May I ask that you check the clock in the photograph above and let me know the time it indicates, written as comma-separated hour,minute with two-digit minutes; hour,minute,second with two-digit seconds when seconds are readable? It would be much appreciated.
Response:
9,42
